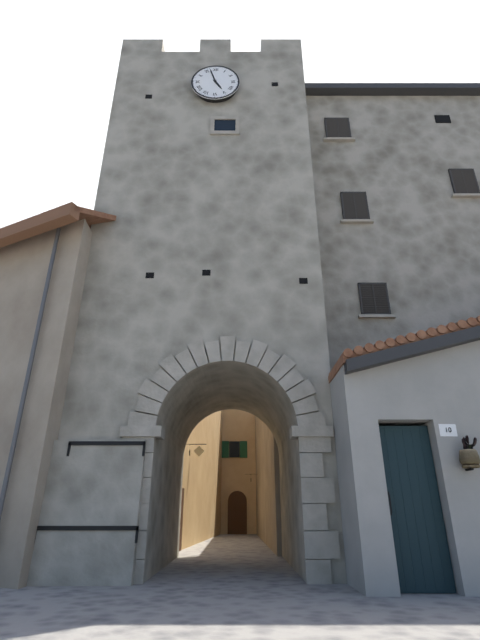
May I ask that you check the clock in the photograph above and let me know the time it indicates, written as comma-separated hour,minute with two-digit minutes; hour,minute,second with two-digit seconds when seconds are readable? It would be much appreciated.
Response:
4,57
